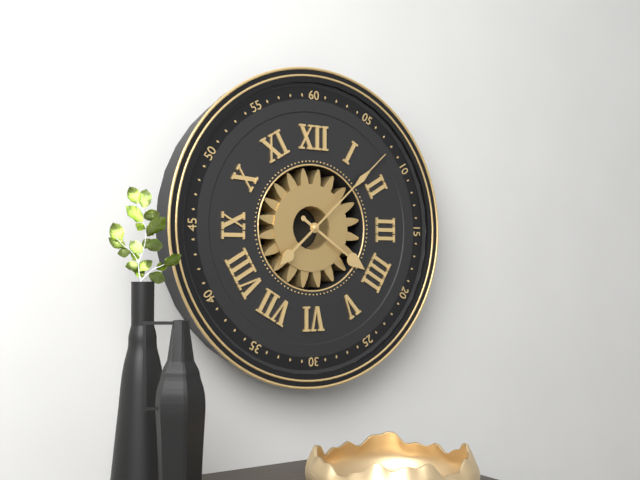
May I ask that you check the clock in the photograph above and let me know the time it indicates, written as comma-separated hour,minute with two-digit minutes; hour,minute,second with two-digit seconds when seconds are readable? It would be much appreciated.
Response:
4,08
